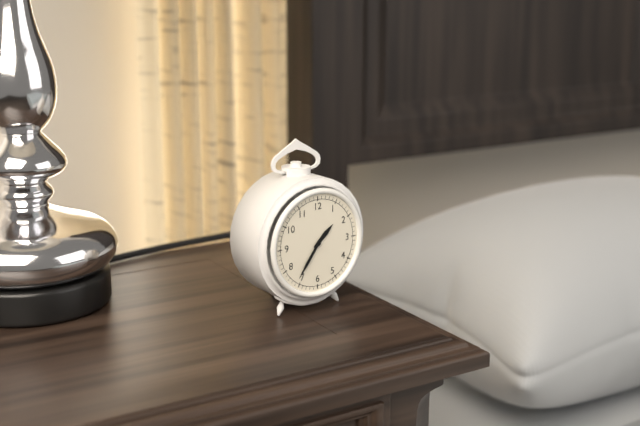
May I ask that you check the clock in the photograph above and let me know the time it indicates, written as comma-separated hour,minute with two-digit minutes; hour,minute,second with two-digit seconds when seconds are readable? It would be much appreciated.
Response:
1,36
